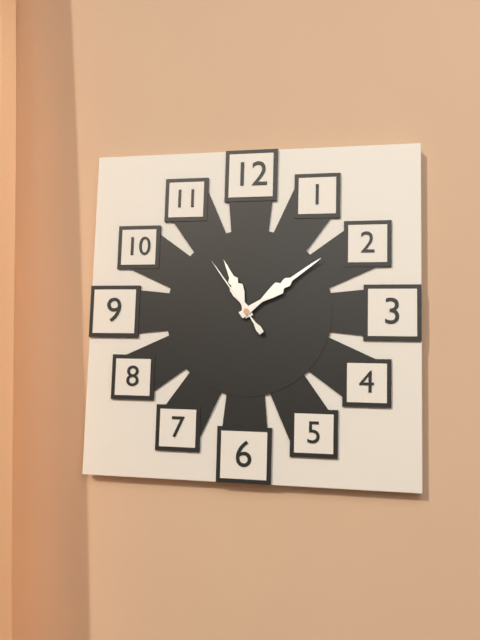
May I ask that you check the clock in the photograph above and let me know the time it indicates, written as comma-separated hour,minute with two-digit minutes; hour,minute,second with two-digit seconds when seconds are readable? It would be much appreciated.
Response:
11,09,54
